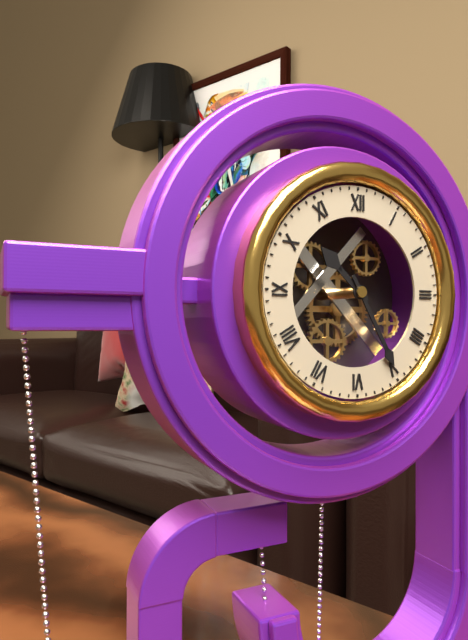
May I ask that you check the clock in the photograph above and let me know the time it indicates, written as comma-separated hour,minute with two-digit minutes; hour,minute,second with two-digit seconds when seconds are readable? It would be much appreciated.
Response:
10,25
